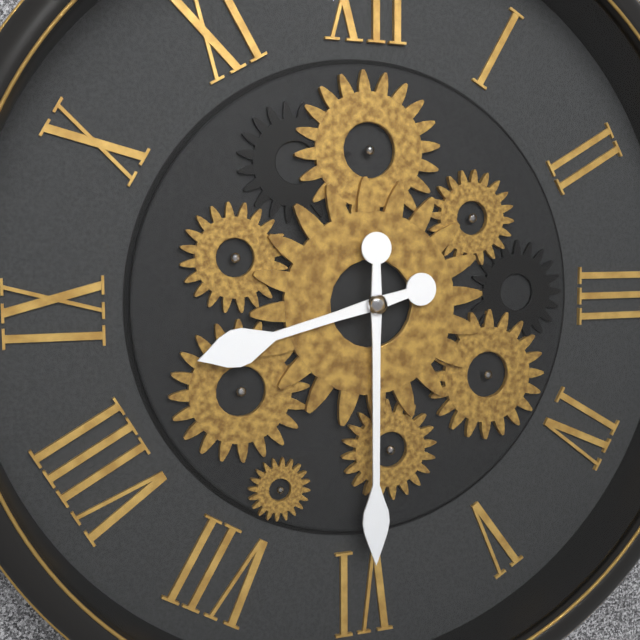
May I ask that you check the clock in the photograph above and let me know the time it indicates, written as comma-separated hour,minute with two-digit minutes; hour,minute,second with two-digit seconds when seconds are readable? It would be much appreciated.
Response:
8,30
